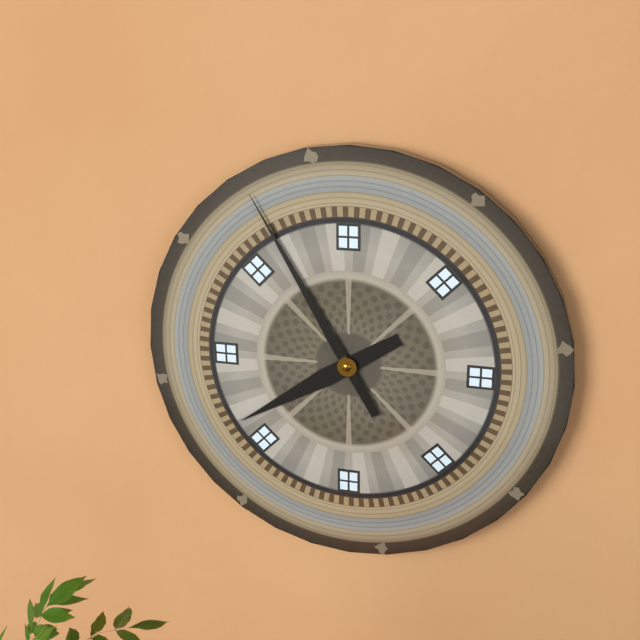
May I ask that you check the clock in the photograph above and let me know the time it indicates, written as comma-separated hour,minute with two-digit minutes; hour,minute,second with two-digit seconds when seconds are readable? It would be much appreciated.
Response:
7,55
